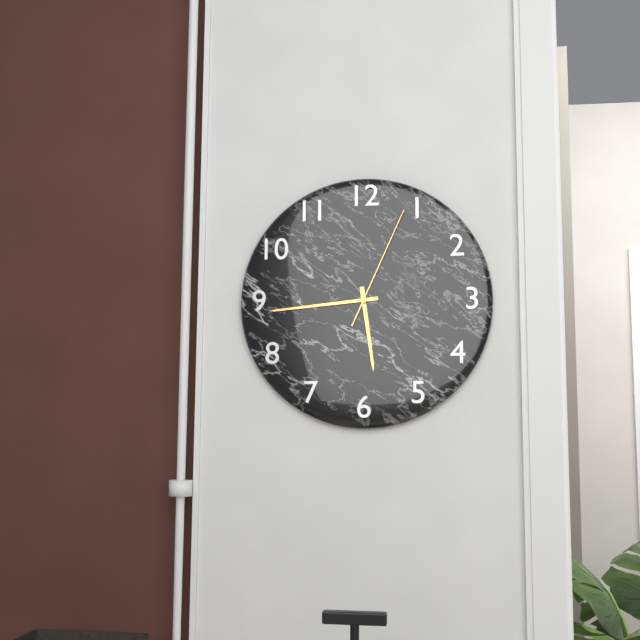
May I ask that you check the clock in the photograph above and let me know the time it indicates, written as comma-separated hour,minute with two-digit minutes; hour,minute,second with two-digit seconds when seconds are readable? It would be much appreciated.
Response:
5,44,04
